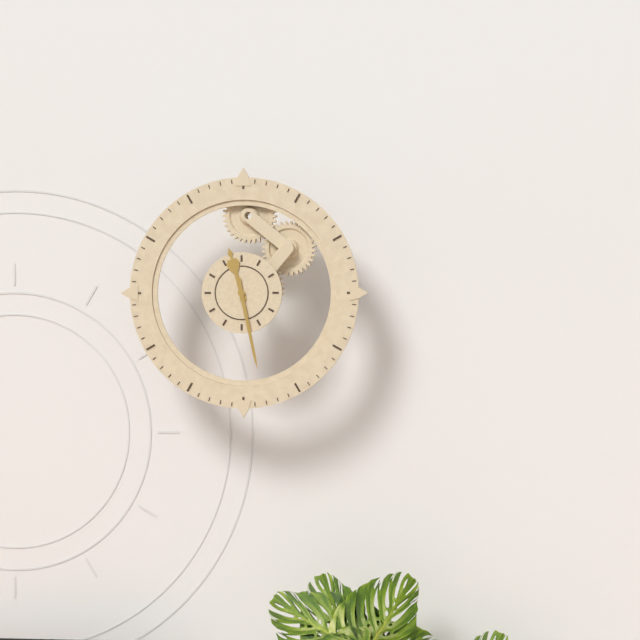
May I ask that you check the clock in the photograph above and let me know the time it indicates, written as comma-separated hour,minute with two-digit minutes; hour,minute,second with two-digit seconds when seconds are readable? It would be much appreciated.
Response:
11,28
